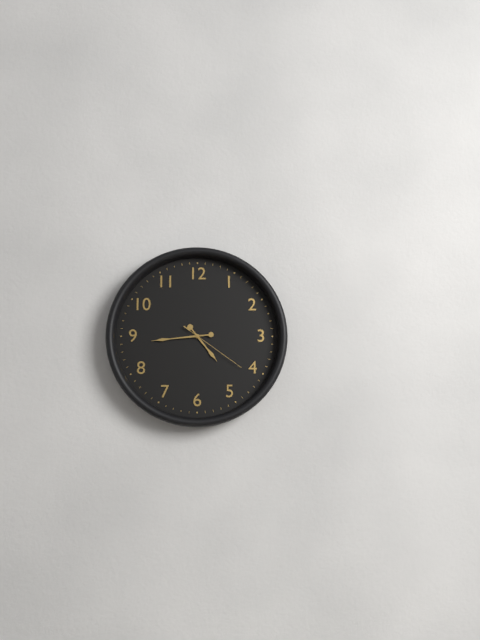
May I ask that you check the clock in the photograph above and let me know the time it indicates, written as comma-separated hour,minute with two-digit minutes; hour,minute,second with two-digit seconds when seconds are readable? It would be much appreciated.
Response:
4,44,21
